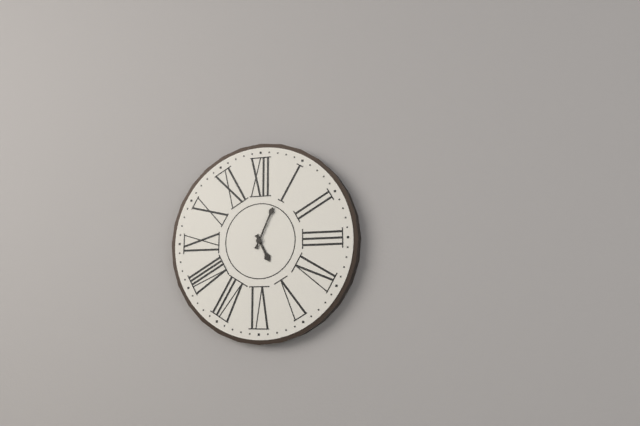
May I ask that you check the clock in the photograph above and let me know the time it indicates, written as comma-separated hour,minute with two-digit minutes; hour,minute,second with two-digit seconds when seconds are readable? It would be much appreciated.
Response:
5,04
